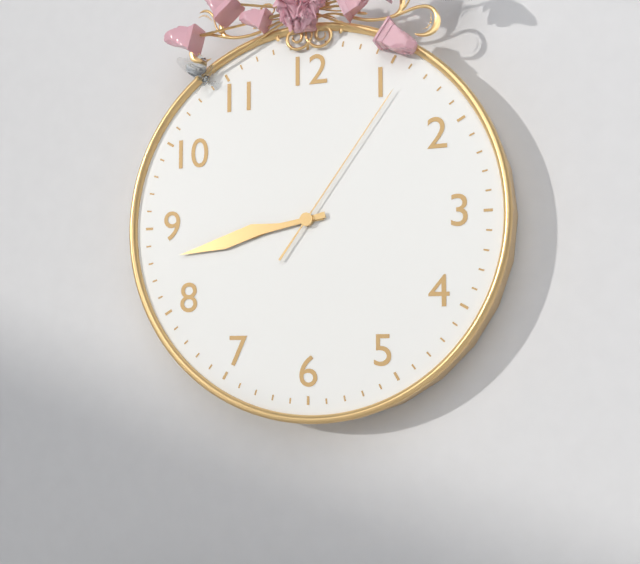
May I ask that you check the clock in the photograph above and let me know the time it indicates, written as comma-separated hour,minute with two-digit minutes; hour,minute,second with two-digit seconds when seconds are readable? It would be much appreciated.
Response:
8,43,06
